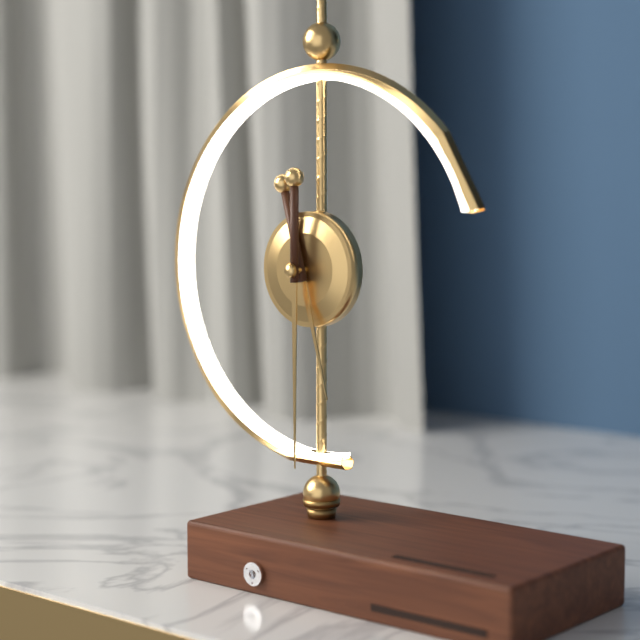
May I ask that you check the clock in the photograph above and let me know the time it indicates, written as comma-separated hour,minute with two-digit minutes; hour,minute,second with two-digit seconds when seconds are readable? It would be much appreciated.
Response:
5,30
